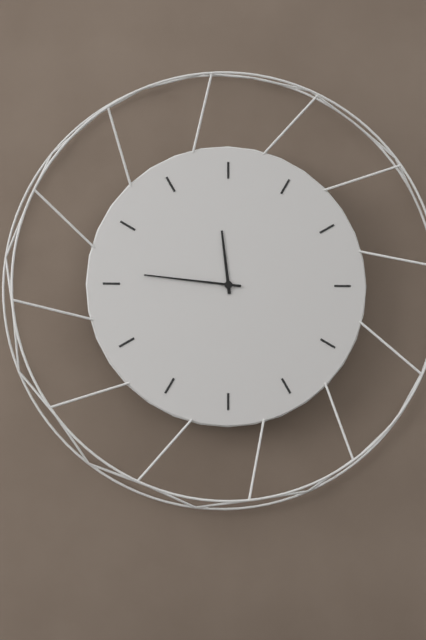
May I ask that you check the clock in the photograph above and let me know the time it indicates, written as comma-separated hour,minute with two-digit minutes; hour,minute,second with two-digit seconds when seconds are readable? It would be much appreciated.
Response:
11,46
